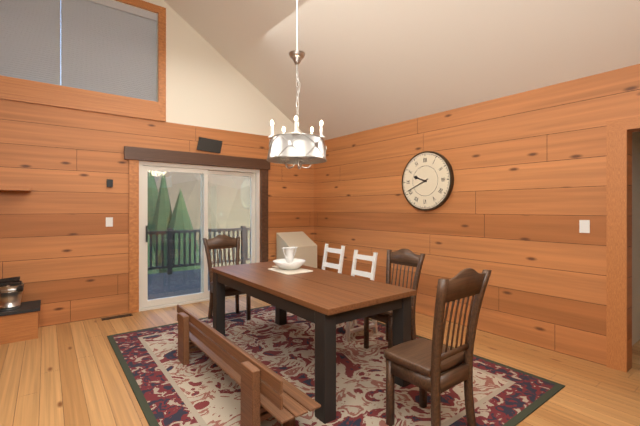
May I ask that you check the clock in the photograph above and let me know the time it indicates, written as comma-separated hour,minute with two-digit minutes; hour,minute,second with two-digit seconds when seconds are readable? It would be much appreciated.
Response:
9,41
